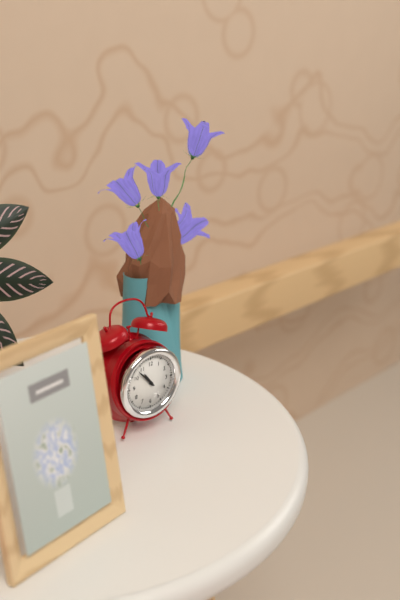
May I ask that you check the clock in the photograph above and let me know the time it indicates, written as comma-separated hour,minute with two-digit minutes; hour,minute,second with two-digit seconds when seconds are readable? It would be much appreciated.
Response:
10,53
